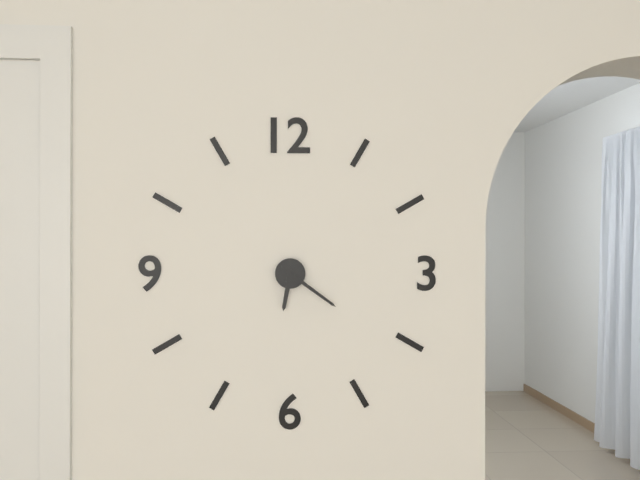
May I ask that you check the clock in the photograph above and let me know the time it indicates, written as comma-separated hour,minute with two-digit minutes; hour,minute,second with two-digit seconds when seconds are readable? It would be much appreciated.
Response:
6,21
